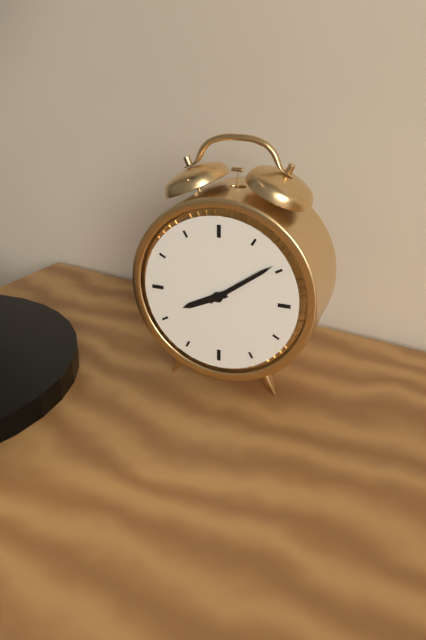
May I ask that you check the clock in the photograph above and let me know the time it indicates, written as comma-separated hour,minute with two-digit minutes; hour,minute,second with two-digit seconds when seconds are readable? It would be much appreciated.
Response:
8,09
